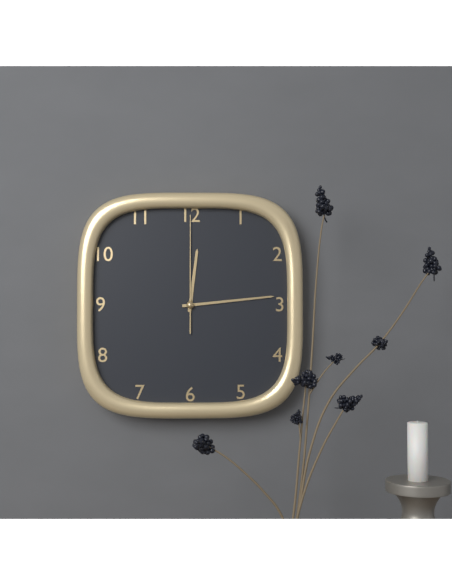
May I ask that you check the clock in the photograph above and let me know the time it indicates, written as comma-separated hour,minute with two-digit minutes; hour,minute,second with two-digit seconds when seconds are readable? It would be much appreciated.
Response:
12,14,00
